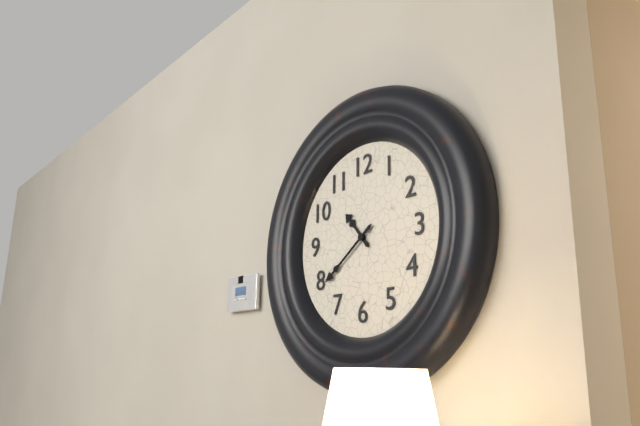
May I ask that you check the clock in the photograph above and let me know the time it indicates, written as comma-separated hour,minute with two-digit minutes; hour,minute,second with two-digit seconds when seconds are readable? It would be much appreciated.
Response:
10,39
